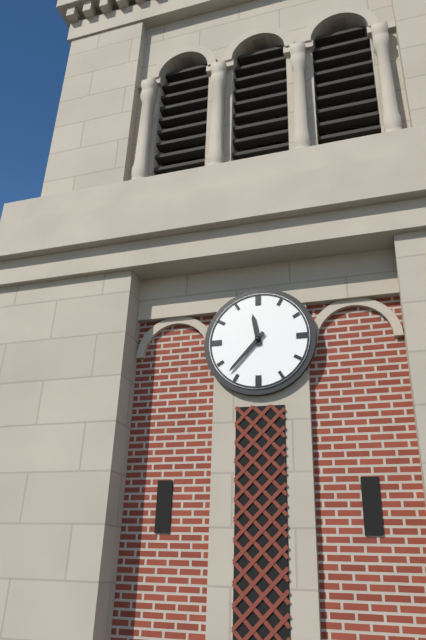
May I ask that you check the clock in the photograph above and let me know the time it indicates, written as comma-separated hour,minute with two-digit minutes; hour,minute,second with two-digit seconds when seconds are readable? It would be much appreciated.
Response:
11,37
